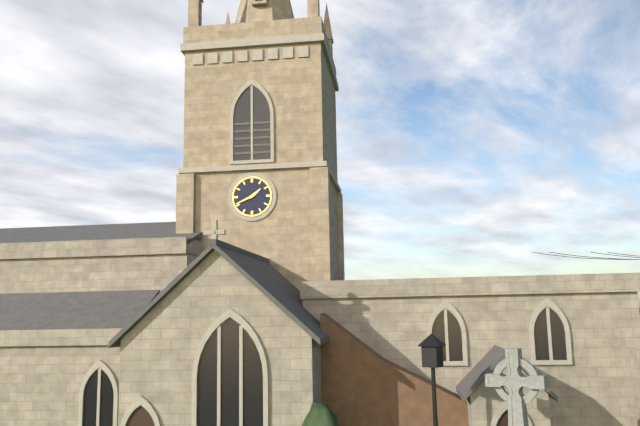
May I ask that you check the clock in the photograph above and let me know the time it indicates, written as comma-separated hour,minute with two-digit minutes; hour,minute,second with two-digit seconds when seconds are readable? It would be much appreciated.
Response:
1,41
